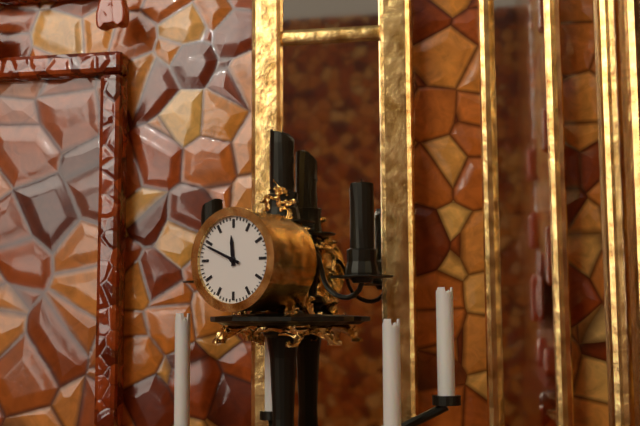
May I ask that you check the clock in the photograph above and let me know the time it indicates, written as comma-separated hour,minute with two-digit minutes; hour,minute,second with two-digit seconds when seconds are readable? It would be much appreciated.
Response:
11,49
